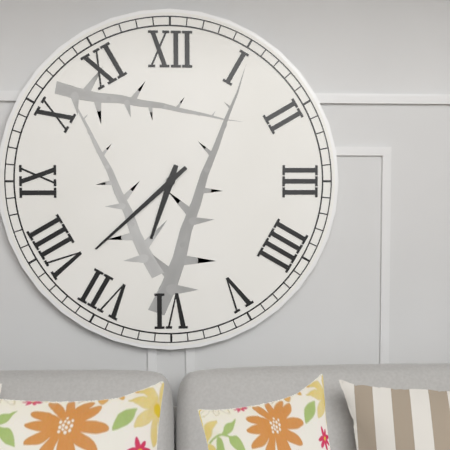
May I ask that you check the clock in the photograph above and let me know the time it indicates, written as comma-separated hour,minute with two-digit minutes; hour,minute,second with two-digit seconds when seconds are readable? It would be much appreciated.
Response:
6,38
